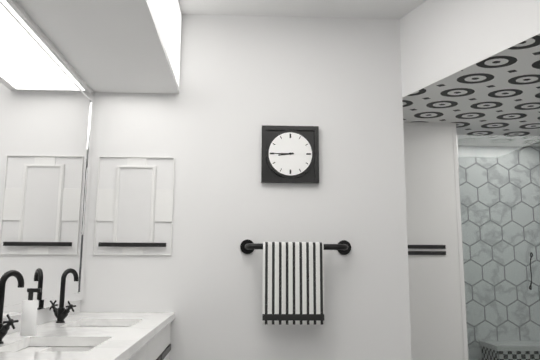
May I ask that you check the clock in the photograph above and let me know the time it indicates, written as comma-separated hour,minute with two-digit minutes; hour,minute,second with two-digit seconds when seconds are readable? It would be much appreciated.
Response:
8,45
